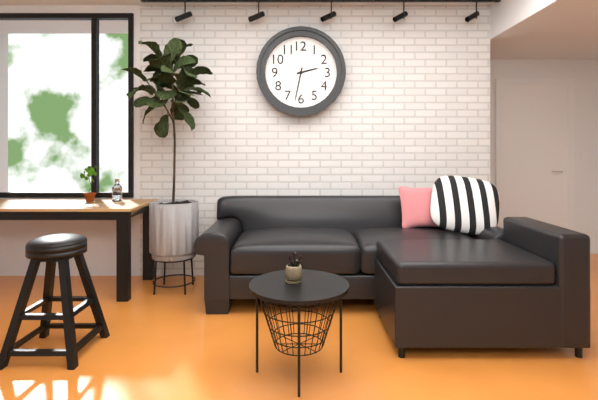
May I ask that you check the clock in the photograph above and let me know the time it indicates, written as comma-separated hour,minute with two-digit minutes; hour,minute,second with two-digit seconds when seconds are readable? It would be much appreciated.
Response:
2,32
